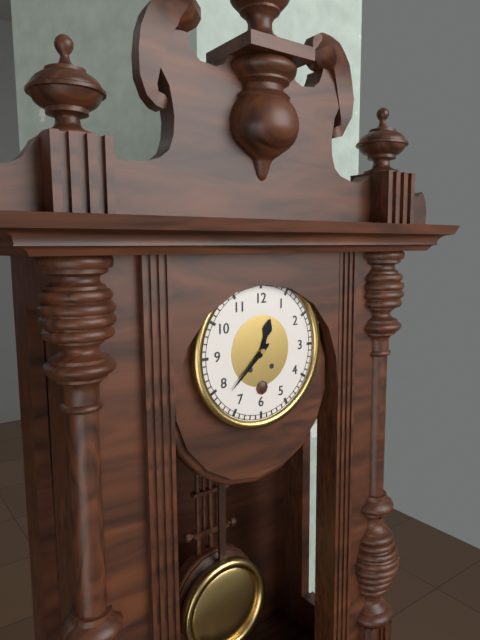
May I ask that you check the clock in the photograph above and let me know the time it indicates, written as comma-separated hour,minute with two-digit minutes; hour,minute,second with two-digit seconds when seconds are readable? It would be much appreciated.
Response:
12,38
